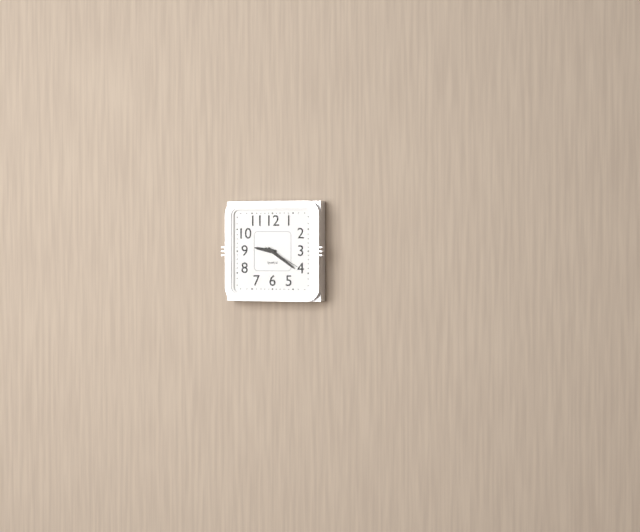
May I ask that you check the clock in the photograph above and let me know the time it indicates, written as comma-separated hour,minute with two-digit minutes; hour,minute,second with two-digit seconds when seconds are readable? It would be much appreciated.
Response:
9,21
